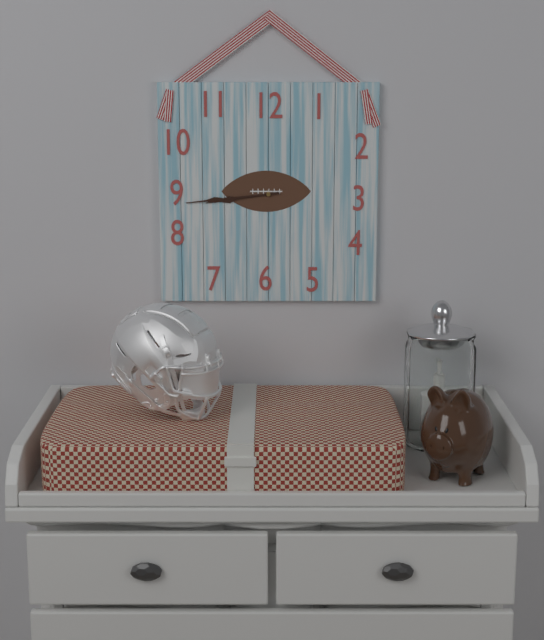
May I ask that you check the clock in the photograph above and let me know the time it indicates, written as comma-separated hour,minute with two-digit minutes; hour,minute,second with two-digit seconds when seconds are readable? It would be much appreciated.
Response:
8,44
